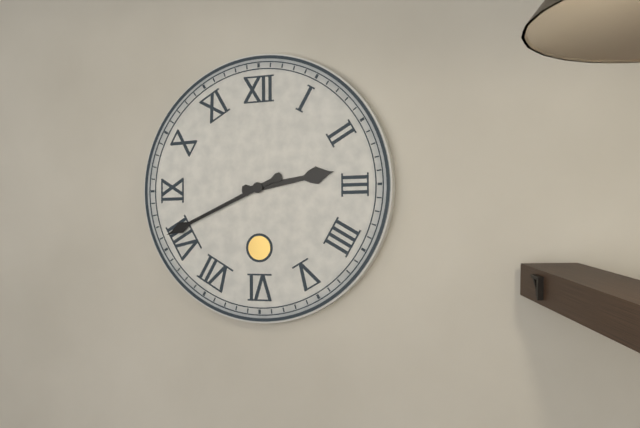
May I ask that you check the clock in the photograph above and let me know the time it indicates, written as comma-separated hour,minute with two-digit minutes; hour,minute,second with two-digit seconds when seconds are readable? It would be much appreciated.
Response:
2,41
